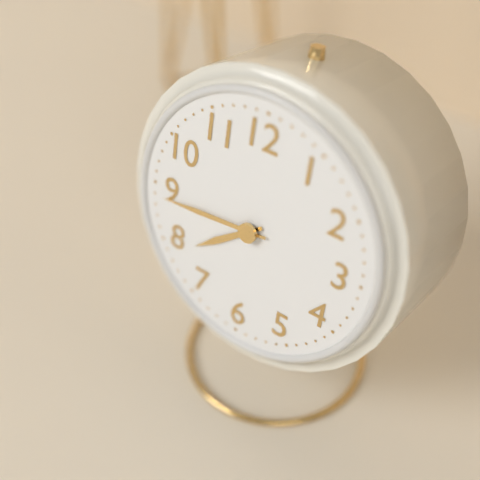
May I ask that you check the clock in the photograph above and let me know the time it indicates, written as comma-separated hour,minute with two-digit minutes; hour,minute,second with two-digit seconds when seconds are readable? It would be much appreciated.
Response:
7,44
